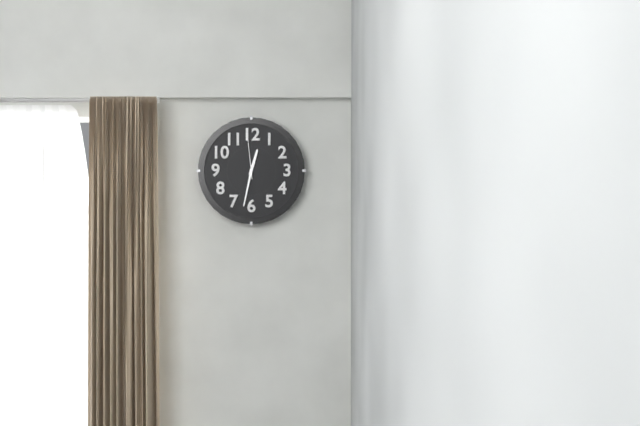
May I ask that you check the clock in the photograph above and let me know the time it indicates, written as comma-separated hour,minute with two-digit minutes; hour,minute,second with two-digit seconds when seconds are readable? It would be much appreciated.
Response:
12,32
